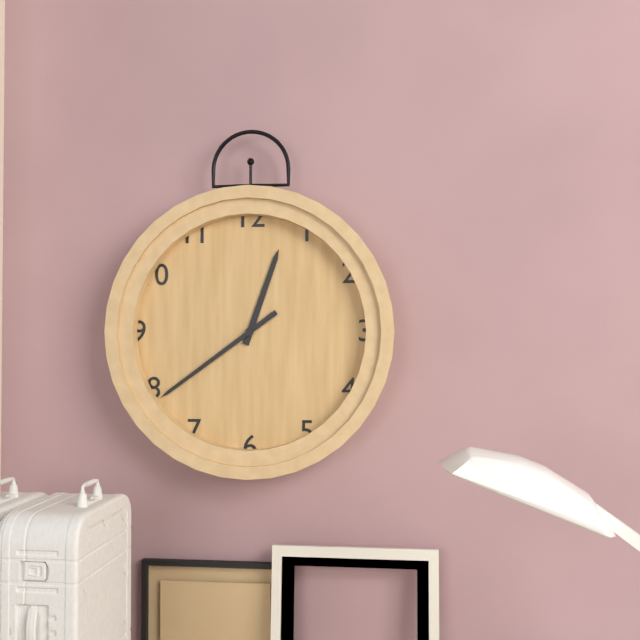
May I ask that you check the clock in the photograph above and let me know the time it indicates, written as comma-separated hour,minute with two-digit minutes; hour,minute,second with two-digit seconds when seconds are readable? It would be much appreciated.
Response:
12,39
